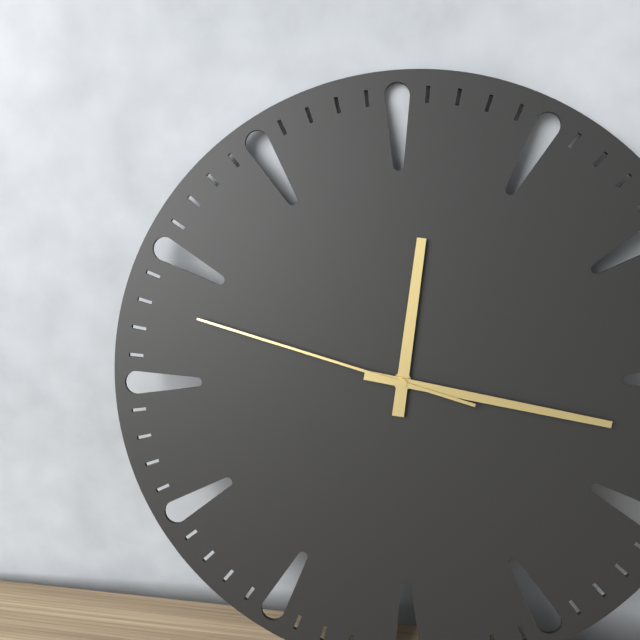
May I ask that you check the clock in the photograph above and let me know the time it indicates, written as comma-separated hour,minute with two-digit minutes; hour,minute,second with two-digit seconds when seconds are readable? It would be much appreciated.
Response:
12,17,48
